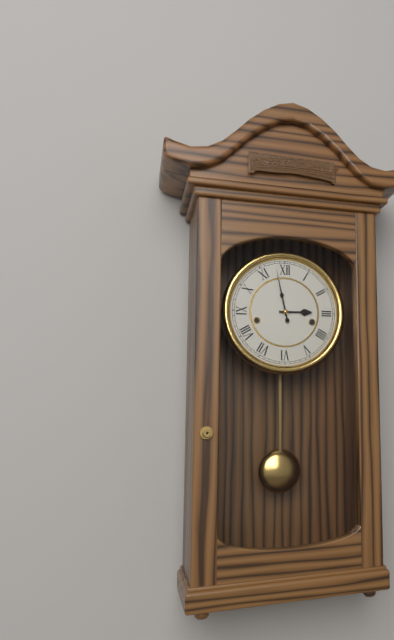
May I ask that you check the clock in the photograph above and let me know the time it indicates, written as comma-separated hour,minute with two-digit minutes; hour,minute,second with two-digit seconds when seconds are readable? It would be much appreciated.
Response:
2,58
